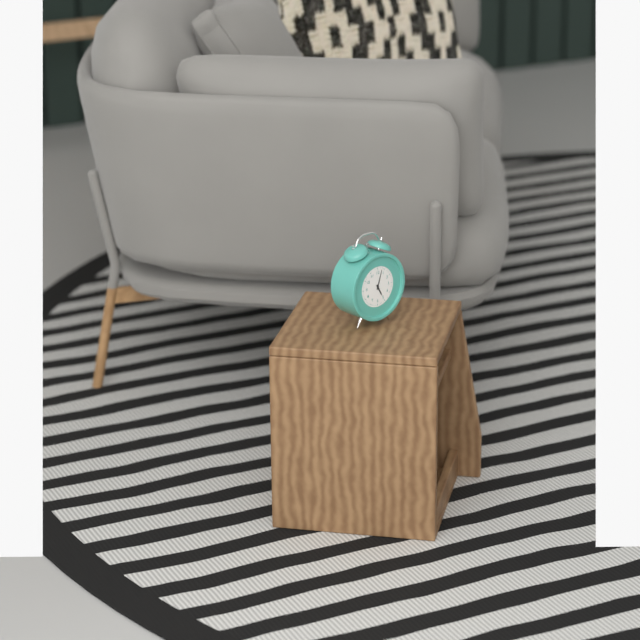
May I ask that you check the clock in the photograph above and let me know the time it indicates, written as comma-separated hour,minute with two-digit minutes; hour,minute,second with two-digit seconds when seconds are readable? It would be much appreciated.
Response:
5,03
